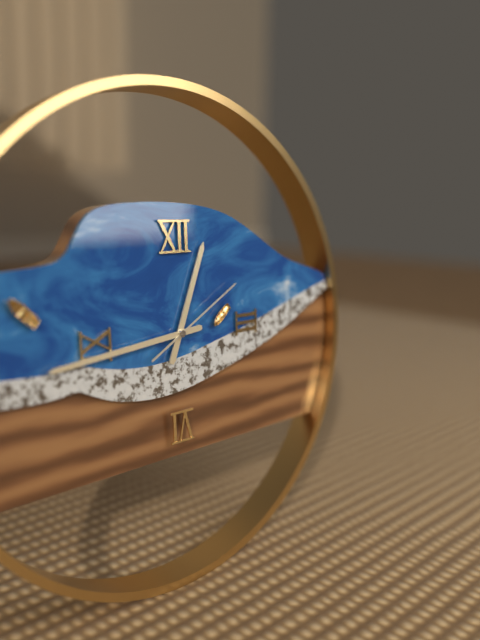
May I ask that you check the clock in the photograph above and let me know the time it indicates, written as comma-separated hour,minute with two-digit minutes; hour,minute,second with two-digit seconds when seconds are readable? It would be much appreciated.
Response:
12,44,10
